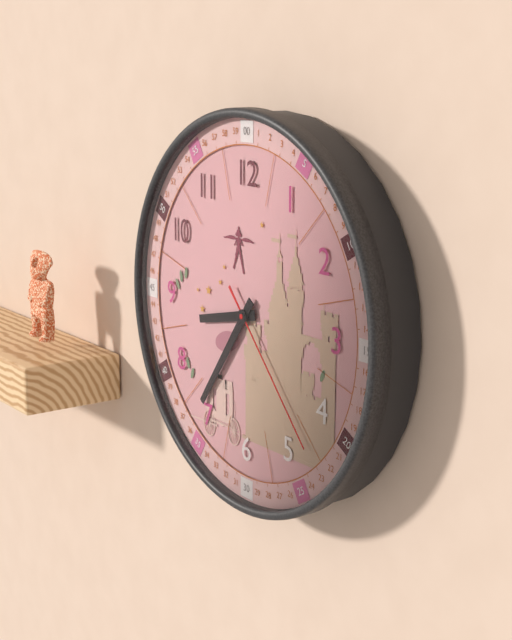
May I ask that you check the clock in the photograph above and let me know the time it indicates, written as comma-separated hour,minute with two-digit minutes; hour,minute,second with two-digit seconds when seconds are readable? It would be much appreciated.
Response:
8,36,23
